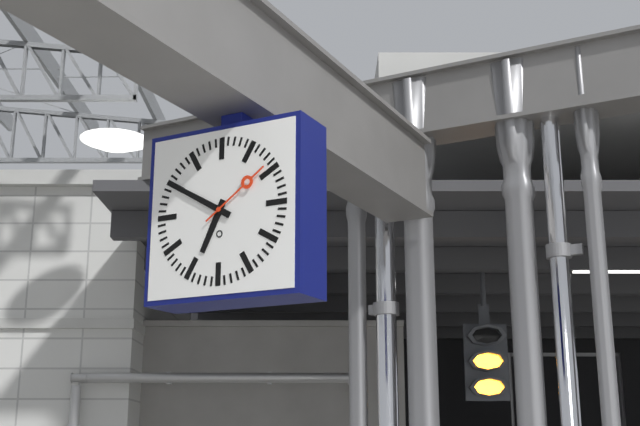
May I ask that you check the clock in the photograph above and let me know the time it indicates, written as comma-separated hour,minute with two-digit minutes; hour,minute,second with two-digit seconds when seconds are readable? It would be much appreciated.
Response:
6,50,09
